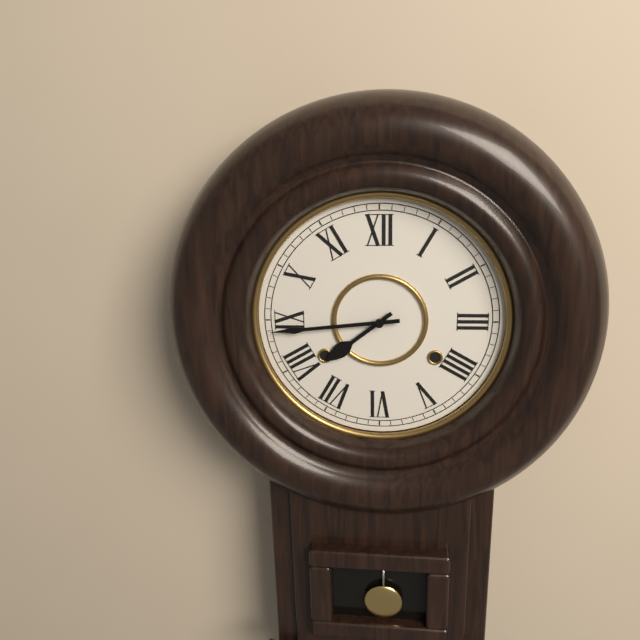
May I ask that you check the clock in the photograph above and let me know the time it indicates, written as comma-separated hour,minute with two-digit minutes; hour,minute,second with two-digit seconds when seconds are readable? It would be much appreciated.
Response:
7,44
